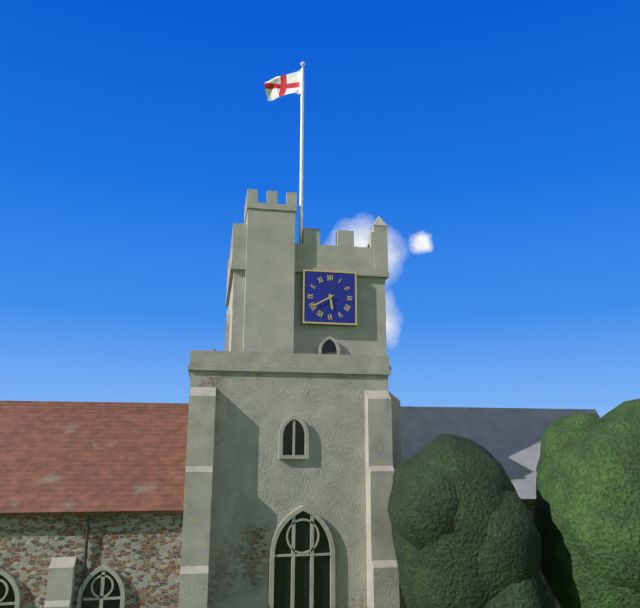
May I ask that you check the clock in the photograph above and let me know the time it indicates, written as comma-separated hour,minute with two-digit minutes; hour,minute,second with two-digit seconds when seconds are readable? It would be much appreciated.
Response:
5,40
